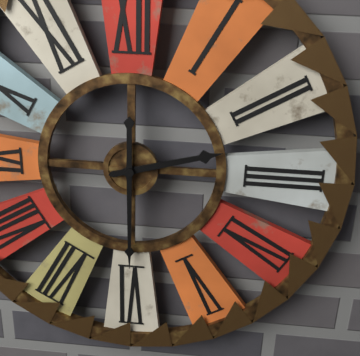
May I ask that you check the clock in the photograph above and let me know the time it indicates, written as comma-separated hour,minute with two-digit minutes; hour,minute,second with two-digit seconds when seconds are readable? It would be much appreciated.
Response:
2,30
